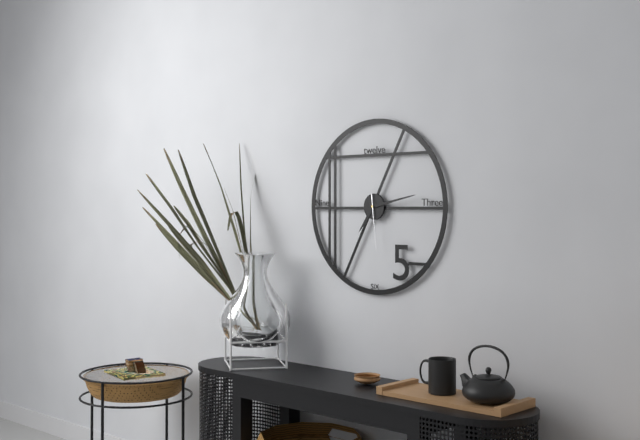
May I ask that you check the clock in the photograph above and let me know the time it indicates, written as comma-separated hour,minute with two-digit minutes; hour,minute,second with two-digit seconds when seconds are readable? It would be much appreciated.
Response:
7,13,29
